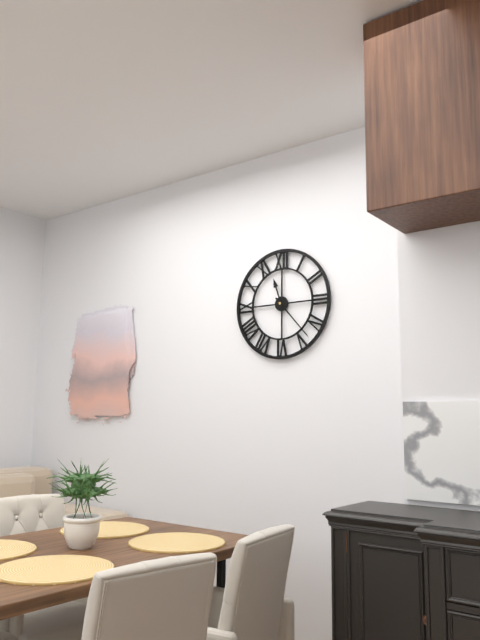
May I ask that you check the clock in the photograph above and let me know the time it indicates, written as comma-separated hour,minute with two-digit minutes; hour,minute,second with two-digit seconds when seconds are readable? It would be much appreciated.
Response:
11,23
